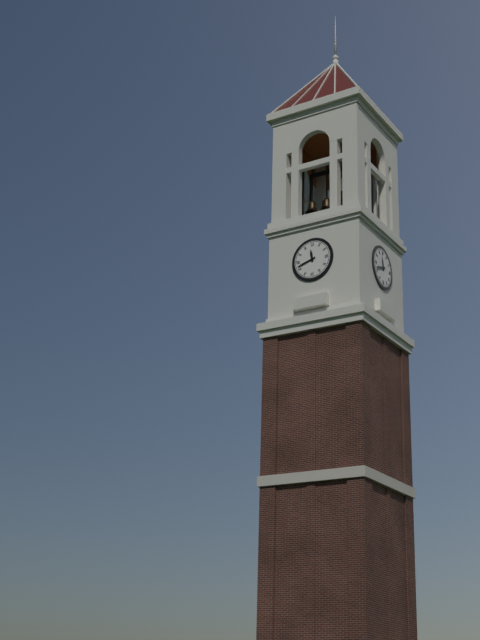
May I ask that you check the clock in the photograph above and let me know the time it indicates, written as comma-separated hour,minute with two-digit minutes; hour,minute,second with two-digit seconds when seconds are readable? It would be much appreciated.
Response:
11,42
